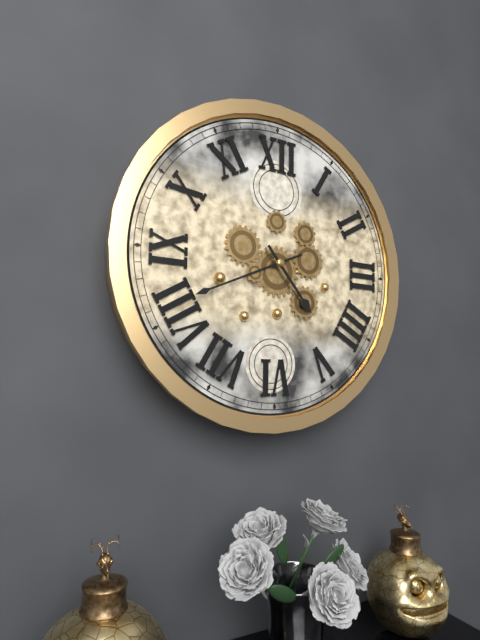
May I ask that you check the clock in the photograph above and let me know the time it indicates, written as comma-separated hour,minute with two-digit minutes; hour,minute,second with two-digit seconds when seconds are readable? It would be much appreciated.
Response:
4,41
